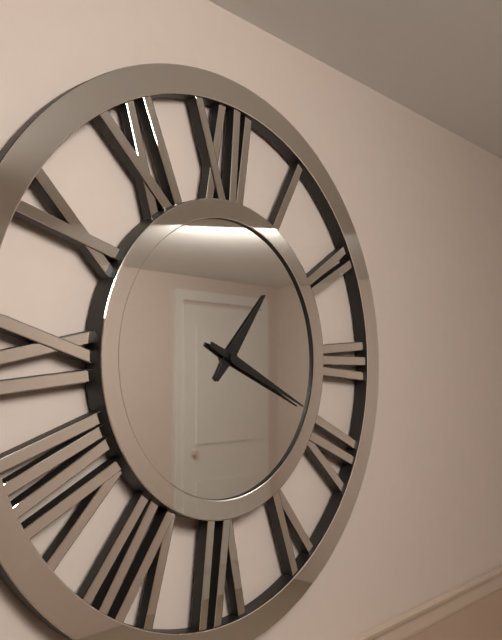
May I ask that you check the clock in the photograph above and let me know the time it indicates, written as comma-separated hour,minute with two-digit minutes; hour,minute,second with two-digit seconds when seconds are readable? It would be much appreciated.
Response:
1,19
